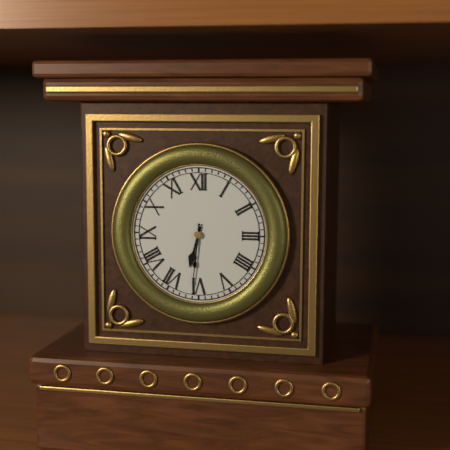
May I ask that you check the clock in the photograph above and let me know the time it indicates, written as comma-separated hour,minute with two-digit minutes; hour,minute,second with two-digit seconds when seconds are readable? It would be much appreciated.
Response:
6,31
